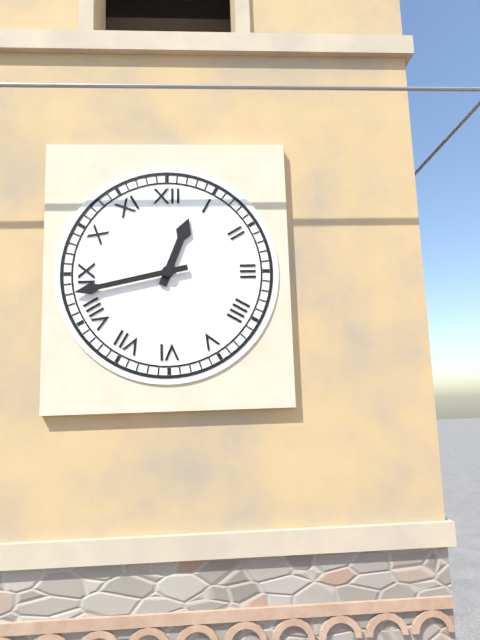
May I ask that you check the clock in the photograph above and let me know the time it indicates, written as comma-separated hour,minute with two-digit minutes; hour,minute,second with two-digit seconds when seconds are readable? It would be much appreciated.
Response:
12,43
